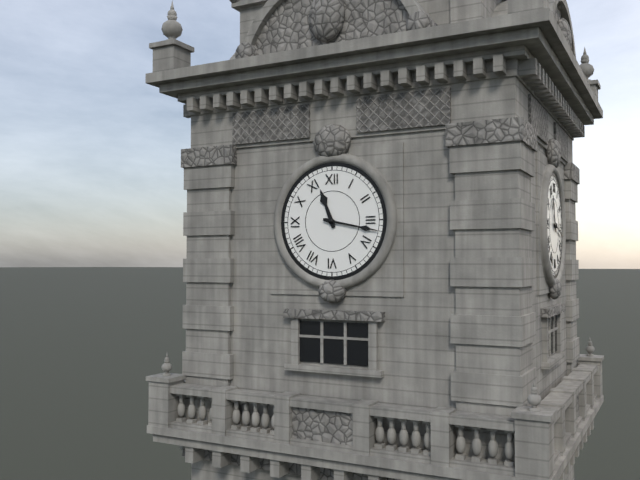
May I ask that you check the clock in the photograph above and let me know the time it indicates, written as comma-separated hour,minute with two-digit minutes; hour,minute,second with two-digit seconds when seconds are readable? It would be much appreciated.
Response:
11,17
